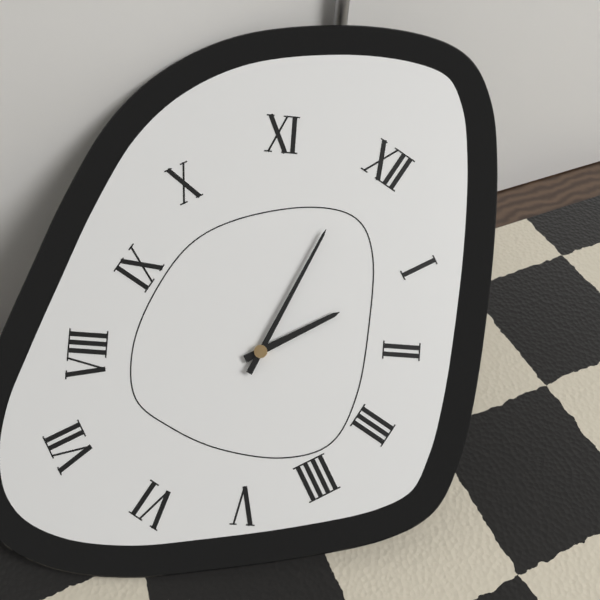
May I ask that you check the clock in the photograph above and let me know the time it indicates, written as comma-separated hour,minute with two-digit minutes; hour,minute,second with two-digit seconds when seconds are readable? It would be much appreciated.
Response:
12,59
